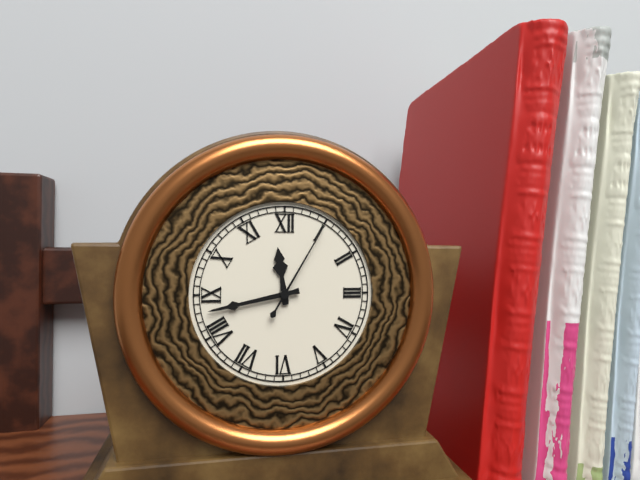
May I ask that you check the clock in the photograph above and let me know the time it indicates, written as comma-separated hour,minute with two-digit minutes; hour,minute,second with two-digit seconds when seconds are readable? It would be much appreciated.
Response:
11,43,05
